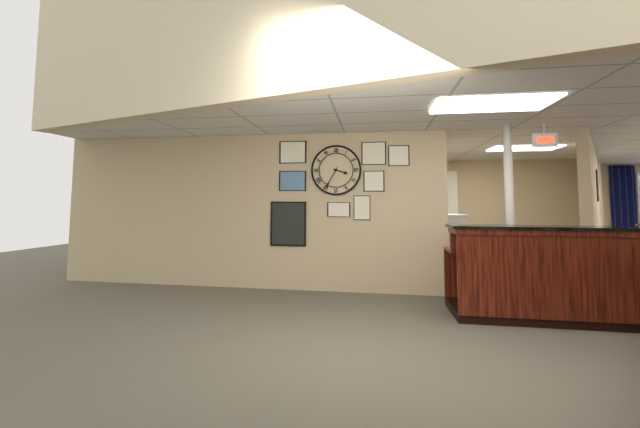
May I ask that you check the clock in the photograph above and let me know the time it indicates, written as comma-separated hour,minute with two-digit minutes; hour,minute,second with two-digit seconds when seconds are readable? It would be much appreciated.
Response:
3,35
